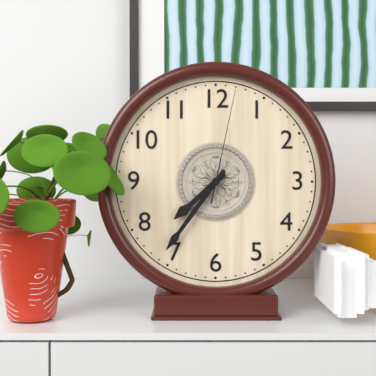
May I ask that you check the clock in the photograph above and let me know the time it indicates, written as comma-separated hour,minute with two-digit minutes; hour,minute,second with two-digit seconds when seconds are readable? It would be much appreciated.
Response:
7,36,02
